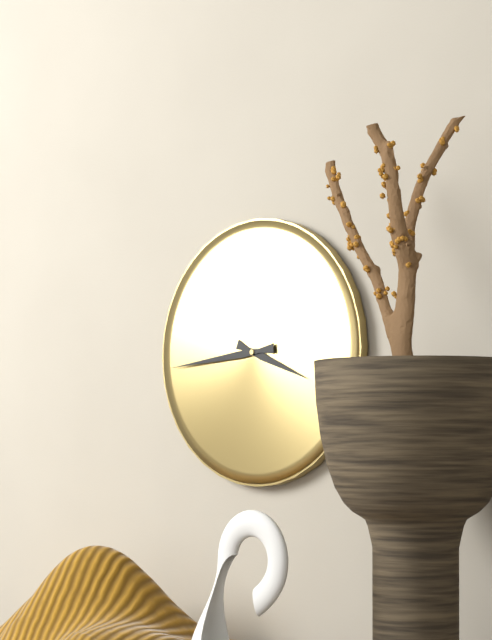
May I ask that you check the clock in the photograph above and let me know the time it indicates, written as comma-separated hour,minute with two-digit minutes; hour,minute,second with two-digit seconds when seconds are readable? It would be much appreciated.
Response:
3,44
